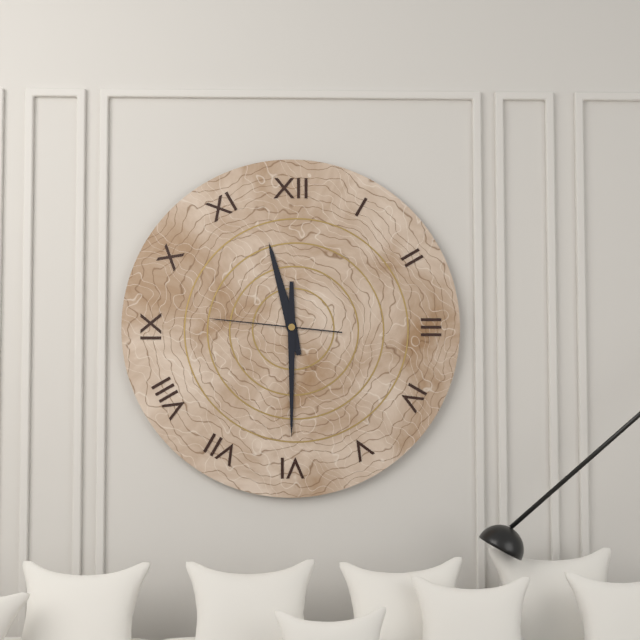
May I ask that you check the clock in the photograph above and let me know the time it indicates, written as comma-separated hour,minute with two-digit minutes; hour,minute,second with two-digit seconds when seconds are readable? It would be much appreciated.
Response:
11,30,46
